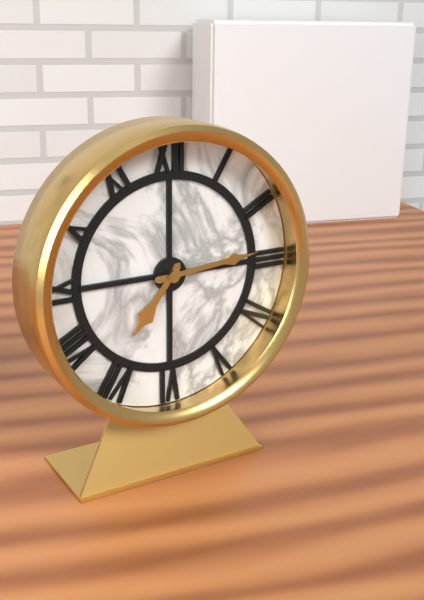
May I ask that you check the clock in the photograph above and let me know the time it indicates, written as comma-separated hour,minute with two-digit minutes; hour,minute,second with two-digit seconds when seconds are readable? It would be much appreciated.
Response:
7,14
